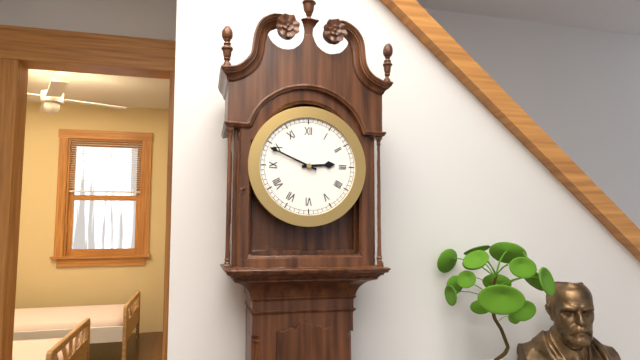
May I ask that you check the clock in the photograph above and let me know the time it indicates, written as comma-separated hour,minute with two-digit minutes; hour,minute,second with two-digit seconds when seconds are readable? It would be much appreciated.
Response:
2,49
